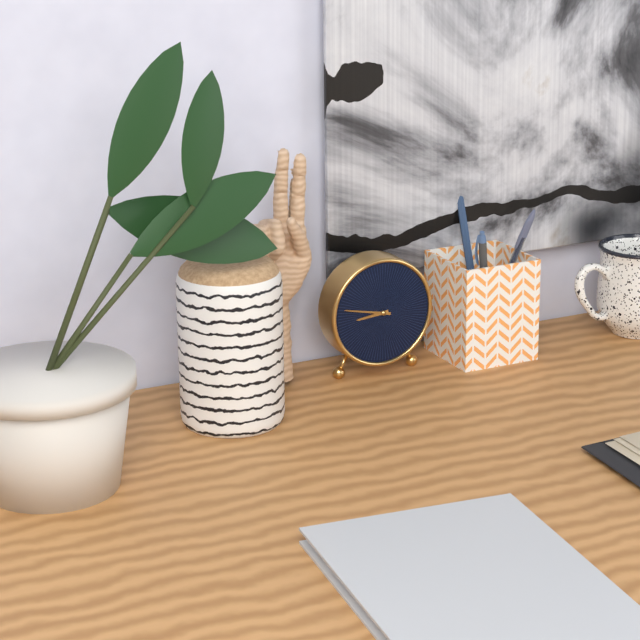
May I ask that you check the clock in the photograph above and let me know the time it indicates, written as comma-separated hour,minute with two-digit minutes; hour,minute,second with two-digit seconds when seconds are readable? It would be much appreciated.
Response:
8,47
